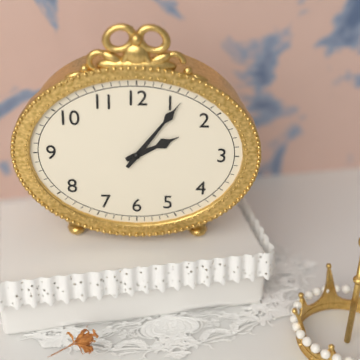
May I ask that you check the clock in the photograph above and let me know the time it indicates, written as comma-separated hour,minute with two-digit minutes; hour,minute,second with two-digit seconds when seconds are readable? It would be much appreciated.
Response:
2,06
